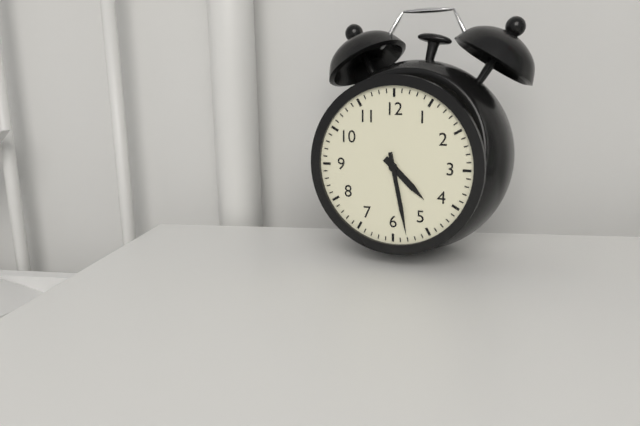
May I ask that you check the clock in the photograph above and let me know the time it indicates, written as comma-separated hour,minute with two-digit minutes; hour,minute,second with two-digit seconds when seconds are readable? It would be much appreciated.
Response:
4,28
